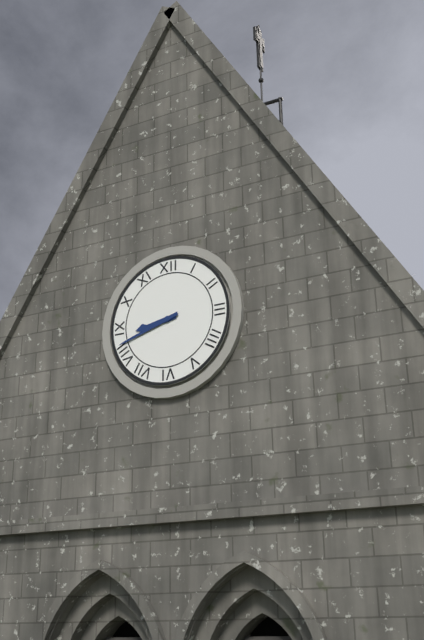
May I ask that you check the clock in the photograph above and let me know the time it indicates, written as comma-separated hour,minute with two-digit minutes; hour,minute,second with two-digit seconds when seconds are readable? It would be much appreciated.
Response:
8,42
